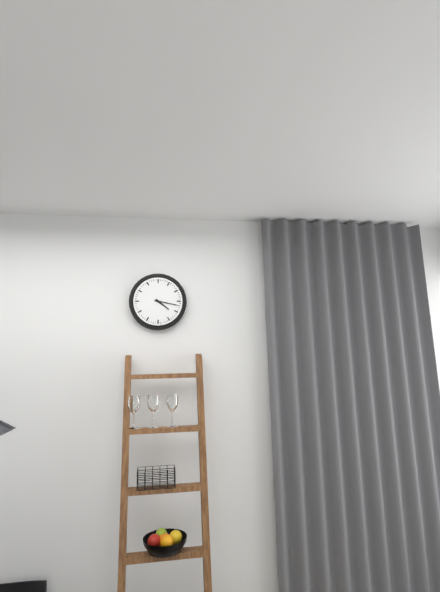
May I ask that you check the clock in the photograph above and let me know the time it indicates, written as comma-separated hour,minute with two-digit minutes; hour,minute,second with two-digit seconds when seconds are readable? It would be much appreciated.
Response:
4,17
